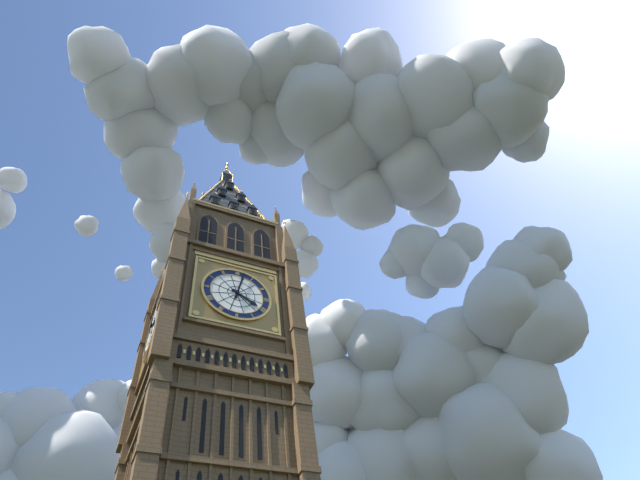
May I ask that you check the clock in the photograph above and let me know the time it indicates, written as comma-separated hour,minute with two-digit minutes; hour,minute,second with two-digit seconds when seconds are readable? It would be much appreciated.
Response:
4,02
